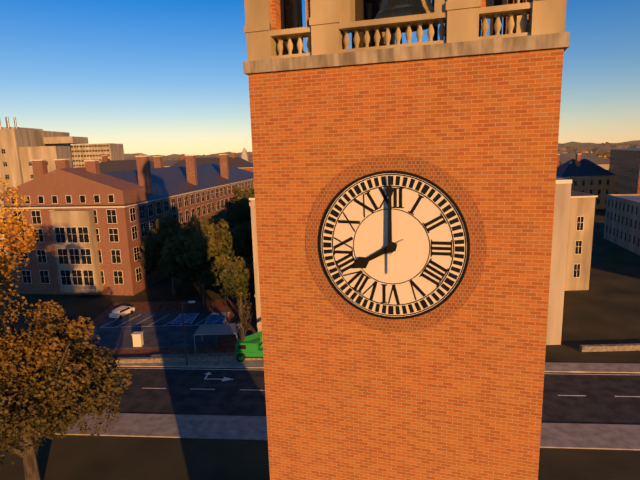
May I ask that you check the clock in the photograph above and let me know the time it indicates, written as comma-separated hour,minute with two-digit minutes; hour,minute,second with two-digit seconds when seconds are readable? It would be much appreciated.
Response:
8,00
